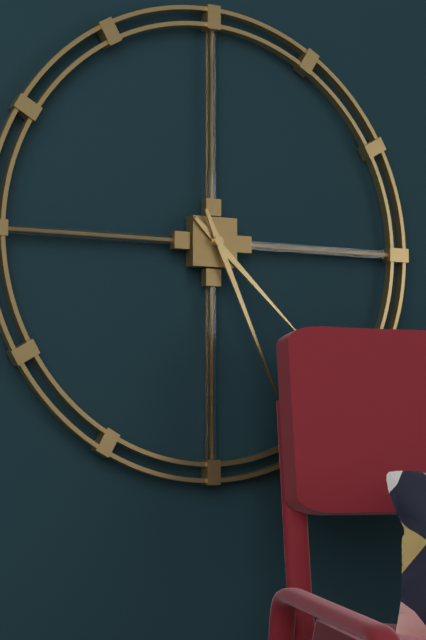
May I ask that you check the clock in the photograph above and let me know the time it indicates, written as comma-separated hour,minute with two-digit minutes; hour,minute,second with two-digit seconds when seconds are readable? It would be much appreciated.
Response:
4,26
